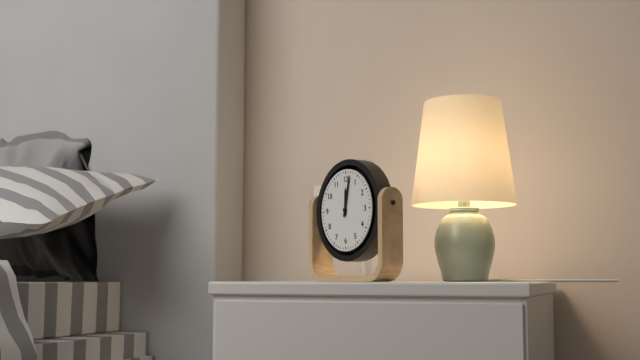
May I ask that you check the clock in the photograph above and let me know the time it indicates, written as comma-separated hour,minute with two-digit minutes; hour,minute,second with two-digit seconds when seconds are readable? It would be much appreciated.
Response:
12,02
